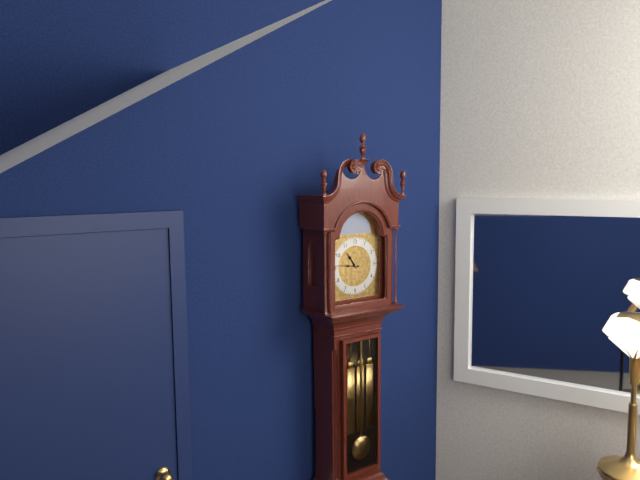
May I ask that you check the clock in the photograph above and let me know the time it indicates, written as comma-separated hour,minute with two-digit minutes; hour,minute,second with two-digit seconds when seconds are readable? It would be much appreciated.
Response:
10,46
